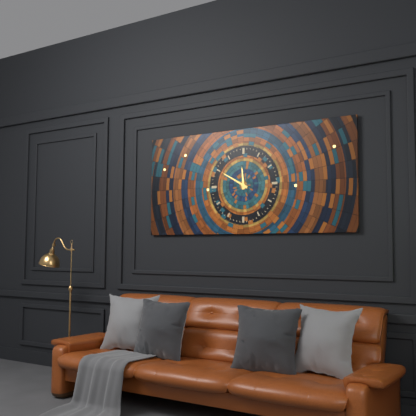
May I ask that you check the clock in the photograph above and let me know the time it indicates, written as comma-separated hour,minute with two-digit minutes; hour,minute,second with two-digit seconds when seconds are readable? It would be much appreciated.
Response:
11,50
